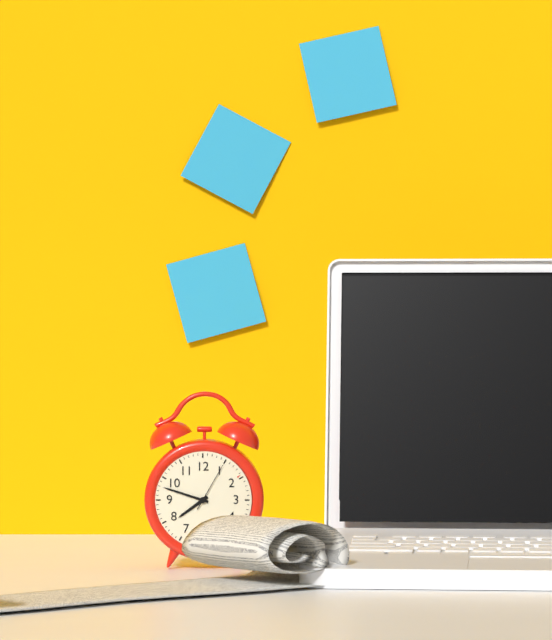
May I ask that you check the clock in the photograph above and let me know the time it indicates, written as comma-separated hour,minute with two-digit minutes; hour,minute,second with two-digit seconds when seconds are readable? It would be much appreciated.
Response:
7,48,05
